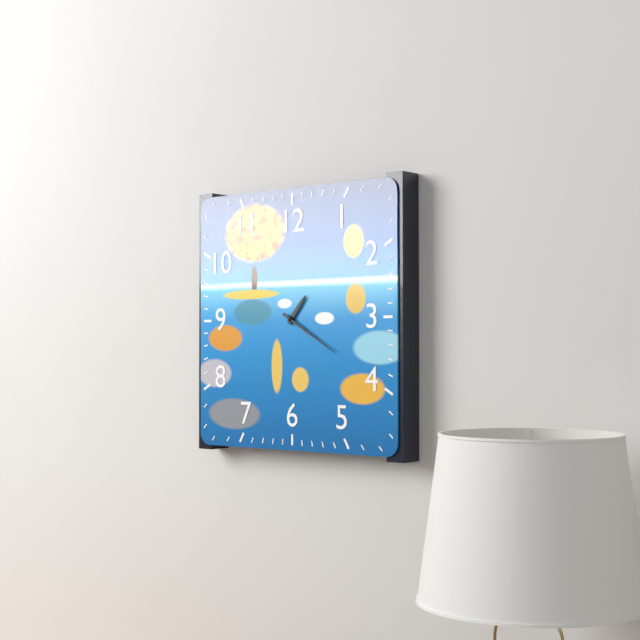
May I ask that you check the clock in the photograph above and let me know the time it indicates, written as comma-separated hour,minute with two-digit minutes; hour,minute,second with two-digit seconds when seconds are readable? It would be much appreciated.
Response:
1,20
